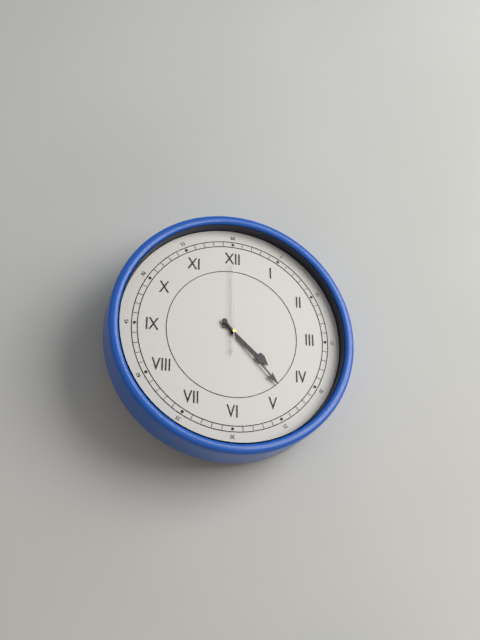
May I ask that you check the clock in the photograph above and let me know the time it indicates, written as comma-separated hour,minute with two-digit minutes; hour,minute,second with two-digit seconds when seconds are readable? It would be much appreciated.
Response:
4,23,00
